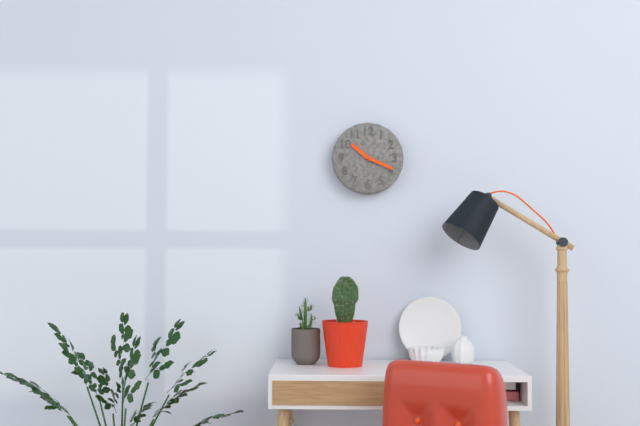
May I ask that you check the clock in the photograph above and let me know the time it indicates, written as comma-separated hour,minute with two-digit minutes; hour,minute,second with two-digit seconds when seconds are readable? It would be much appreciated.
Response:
10,19
